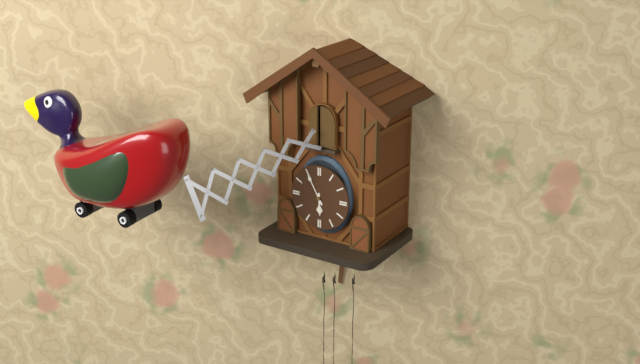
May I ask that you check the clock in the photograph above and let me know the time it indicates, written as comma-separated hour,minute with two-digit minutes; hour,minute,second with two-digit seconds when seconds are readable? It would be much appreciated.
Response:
5,55
